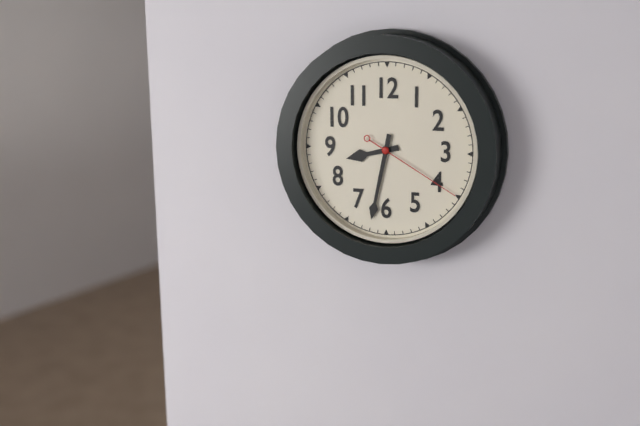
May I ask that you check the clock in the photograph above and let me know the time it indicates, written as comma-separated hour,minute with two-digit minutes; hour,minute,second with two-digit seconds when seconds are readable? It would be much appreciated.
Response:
8,32,20
